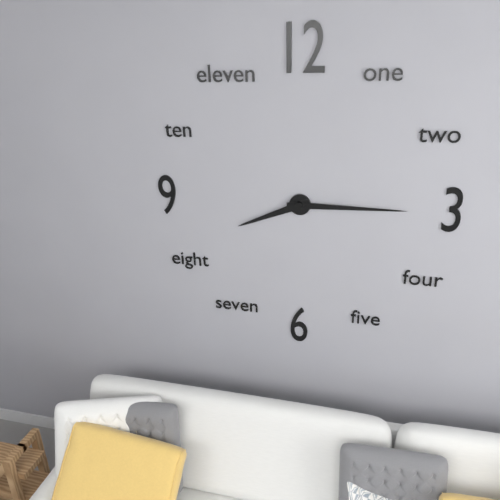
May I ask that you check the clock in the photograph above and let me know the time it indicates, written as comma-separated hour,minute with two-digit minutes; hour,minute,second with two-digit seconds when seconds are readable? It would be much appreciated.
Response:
8,15
